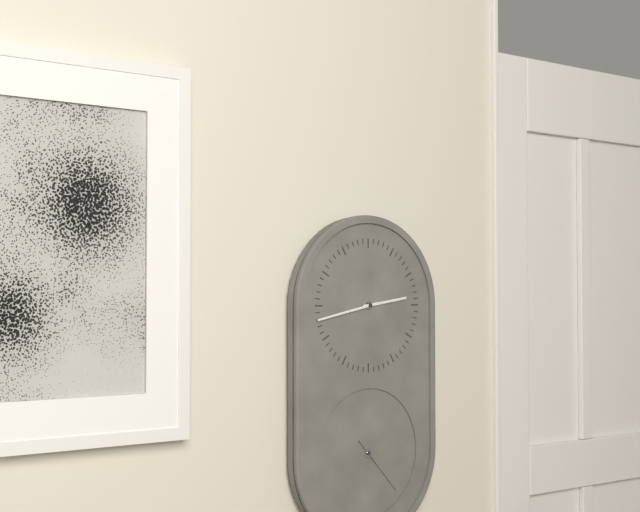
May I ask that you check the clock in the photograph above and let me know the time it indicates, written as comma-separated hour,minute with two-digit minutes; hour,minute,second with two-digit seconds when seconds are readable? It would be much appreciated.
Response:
2,43,23
